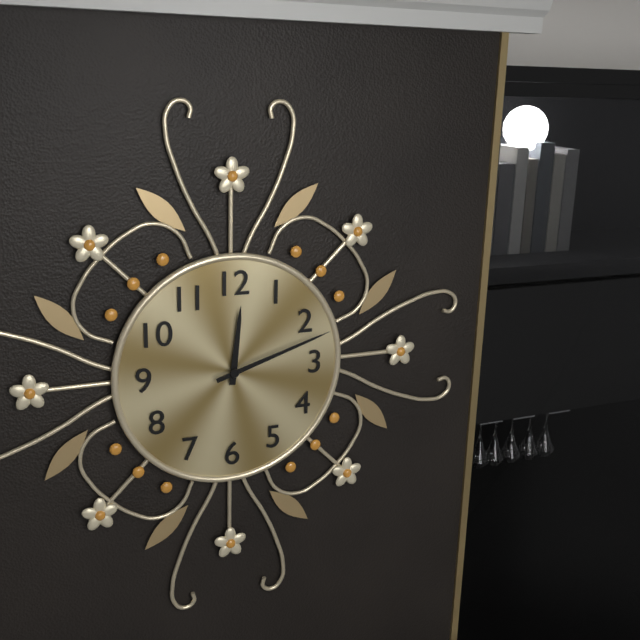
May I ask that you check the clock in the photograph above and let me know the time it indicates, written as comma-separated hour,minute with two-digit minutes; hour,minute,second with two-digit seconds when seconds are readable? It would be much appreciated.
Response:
12,12
